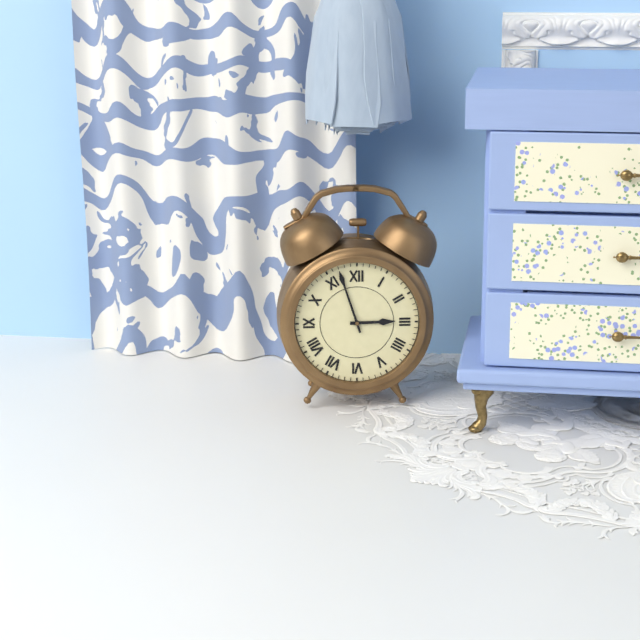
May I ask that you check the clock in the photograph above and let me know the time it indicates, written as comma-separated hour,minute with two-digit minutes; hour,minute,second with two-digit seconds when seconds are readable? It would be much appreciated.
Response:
2,57
